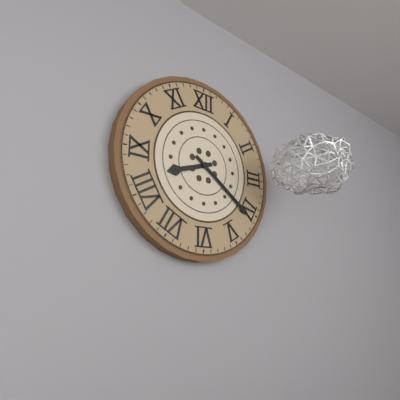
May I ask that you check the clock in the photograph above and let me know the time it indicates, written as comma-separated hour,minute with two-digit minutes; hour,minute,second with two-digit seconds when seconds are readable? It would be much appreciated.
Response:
8,21
